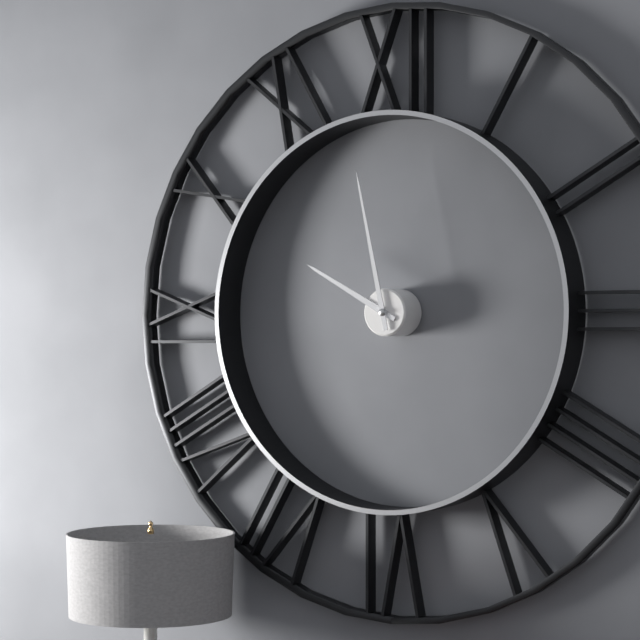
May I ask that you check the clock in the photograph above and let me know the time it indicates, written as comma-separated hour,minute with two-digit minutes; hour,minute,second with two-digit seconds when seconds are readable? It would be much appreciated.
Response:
9,58
